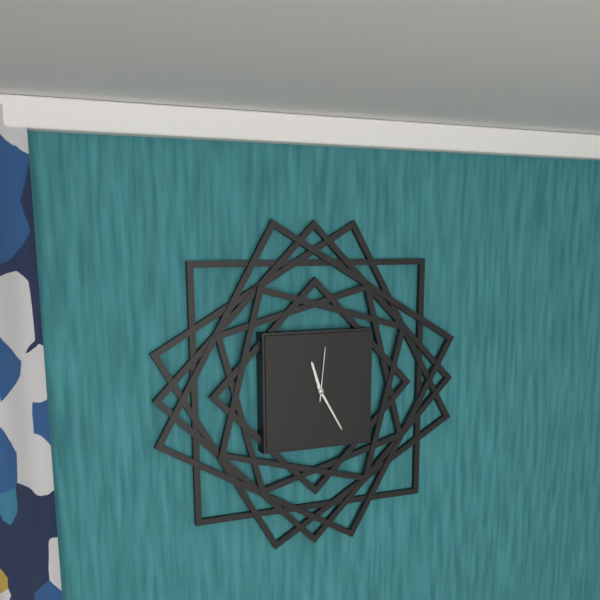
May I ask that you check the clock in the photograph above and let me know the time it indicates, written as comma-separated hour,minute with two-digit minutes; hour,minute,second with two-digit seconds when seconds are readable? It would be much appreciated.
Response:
11,25,01
